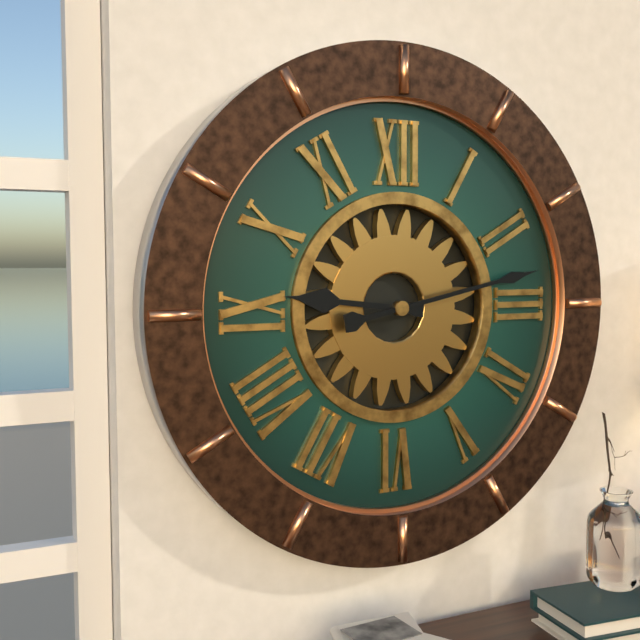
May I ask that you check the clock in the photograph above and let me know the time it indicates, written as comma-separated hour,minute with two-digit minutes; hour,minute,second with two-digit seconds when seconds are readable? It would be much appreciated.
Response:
9,13
